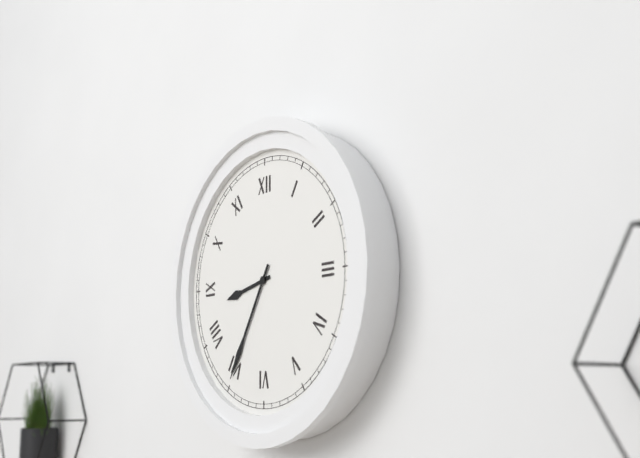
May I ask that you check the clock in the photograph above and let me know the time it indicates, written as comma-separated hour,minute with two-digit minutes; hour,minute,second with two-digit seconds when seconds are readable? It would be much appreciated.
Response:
8,35
